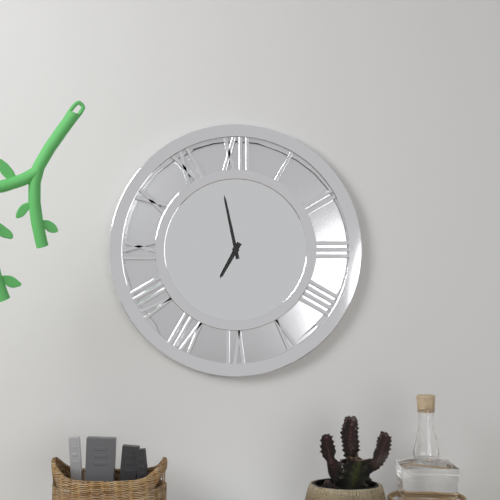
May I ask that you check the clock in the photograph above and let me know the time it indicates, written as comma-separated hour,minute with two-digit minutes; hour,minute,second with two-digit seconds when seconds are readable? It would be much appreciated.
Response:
6,58
